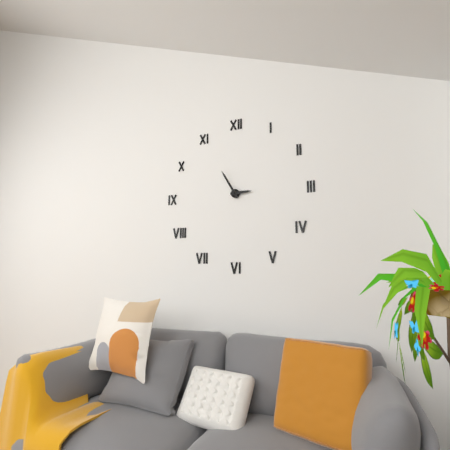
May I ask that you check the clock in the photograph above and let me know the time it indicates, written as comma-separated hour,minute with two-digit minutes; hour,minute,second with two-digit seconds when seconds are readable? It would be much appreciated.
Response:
2,55
